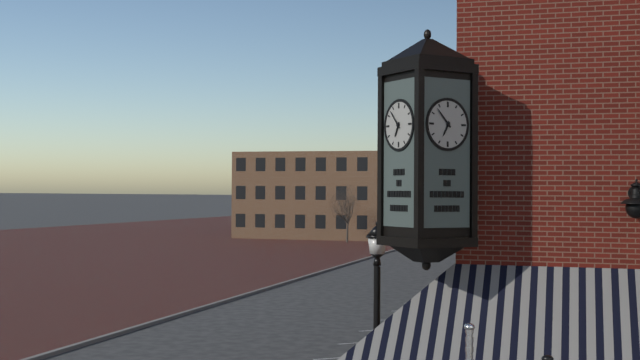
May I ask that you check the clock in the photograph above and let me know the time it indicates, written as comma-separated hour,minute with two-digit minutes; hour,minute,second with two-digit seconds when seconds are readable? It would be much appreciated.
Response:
6,53
